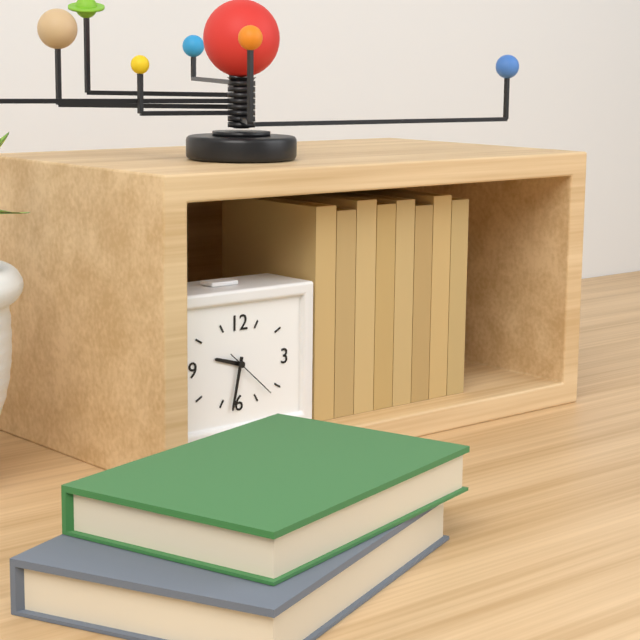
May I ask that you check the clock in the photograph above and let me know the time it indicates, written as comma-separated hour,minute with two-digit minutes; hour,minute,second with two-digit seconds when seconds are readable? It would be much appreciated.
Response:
9,32,22
